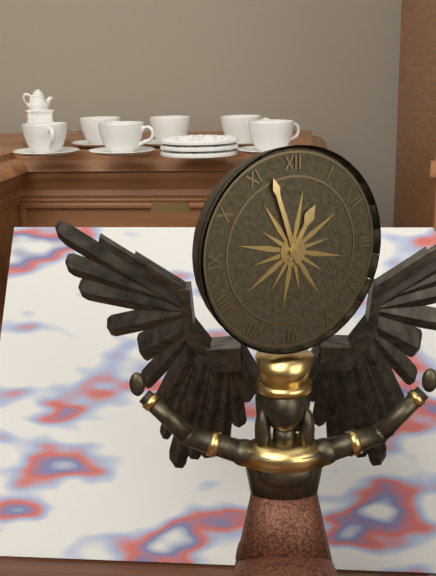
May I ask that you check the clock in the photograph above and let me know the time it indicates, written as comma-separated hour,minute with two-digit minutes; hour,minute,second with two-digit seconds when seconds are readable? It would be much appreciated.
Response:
12,57
